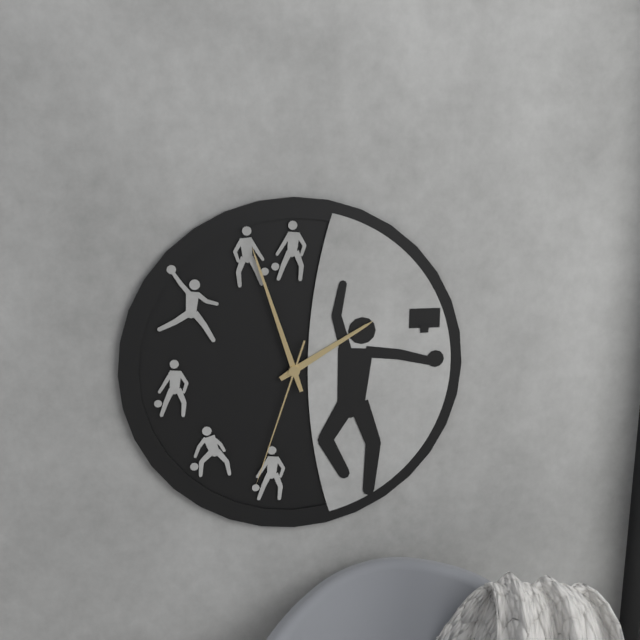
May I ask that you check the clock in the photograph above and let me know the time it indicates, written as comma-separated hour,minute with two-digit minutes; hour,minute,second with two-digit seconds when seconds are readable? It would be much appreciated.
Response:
1,57,33
